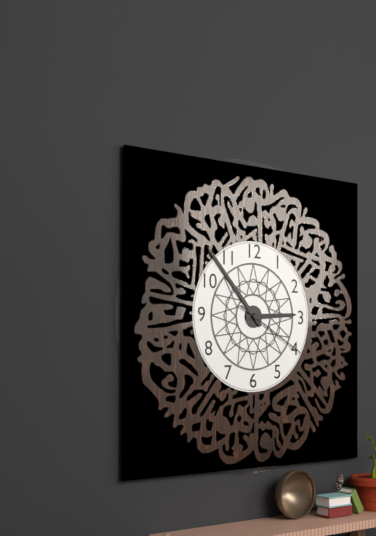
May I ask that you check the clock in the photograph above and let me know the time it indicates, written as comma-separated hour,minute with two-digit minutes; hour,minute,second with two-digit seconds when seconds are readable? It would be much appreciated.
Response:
2,53,20
